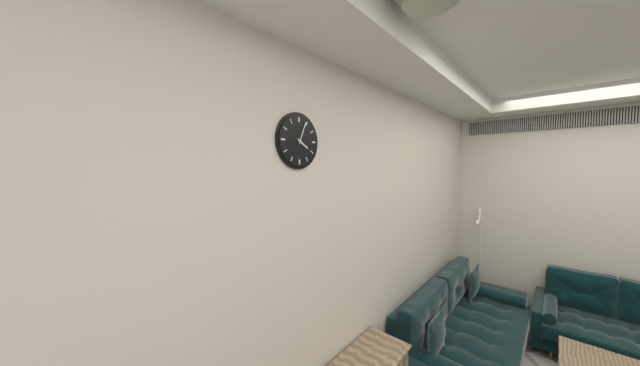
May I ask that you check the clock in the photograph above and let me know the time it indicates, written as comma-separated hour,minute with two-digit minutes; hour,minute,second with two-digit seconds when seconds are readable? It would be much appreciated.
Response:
4,04
